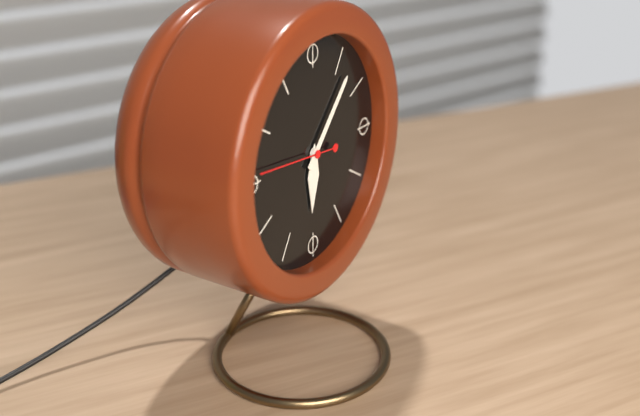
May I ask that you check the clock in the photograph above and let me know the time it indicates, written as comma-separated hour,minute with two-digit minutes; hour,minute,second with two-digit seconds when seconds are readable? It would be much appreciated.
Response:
6,07,46
